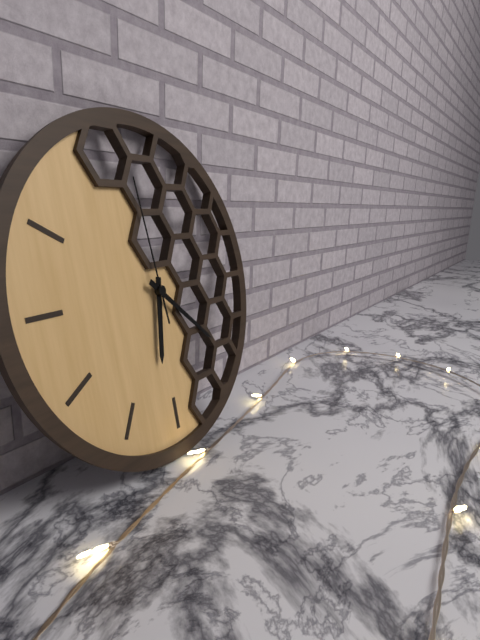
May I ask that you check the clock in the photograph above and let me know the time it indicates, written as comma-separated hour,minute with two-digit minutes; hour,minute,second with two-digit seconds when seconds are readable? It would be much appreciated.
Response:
6,22,59
